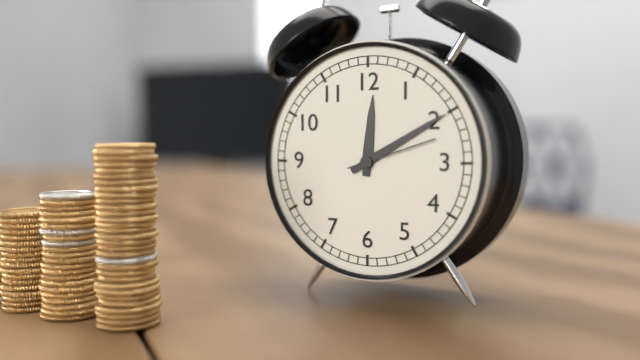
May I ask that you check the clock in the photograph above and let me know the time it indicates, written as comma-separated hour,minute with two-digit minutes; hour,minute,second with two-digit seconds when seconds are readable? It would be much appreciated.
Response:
12,10,12
